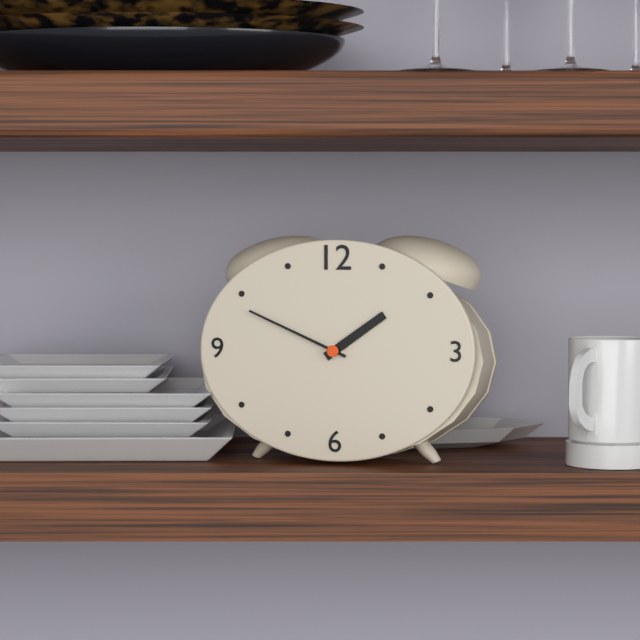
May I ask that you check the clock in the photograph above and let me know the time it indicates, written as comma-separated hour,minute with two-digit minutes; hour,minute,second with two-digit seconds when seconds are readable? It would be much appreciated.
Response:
1,49
